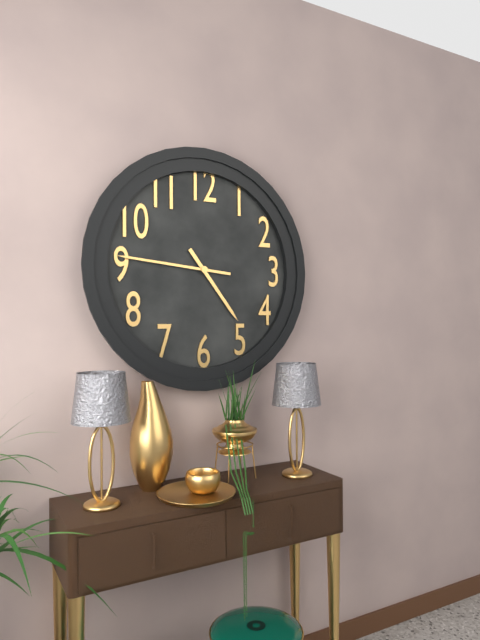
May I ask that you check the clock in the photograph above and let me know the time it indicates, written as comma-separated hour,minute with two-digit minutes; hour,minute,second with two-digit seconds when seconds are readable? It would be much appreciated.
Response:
4,46
